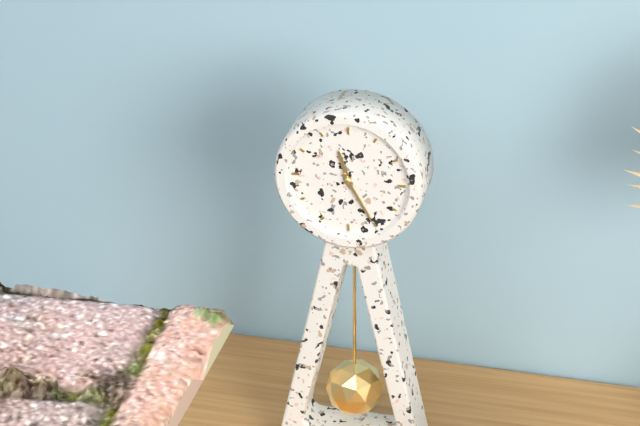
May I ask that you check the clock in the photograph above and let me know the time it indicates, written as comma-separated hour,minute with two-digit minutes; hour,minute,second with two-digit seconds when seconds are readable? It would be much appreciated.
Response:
11,25
